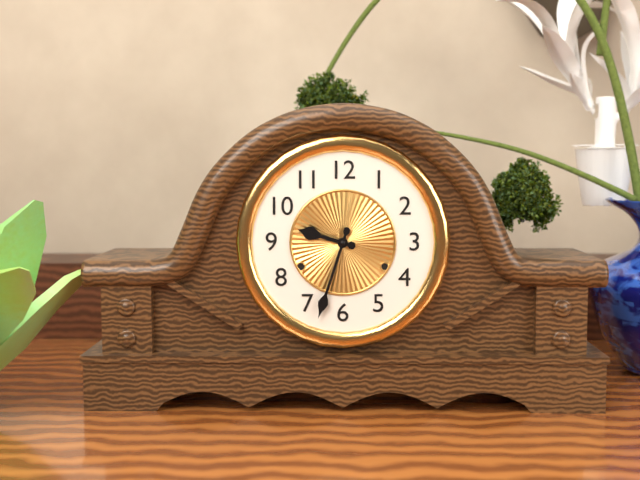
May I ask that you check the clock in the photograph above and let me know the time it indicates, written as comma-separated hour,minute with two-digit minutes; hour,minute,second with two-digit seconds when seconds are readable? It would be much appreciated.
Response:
9,33
